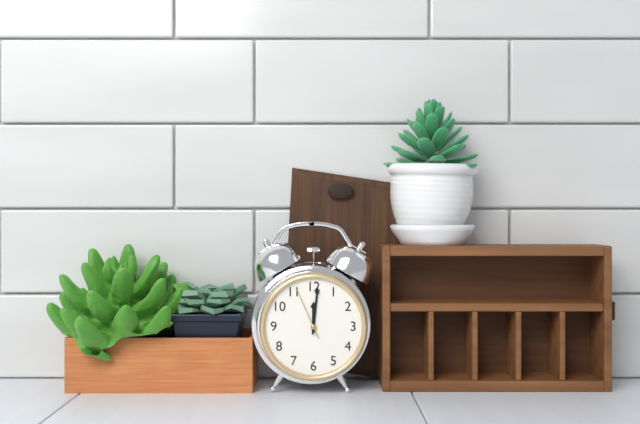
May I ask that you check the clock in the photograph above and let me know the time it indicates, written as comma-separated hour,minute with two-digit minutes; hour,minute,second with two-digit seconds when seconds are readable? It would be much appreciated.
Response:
12,01,56
